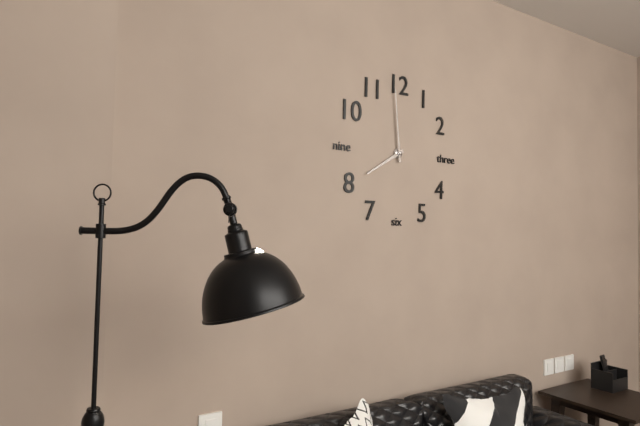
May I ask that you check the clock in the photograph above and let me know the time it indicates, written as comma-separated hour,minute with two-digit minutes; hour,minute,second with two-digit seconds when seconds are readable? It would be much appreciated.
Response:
7,59
